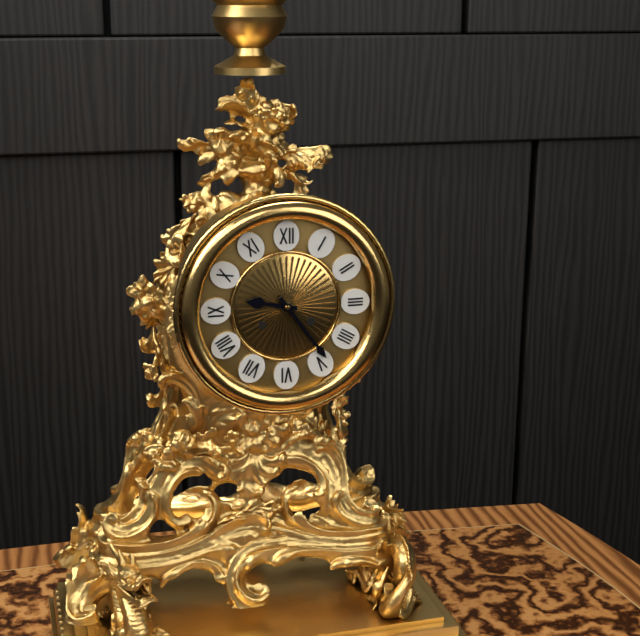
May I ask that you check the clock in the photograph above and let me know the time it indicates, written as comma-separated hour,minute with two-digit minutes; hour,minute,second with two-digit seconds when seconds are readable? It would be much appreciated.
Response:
9,24
